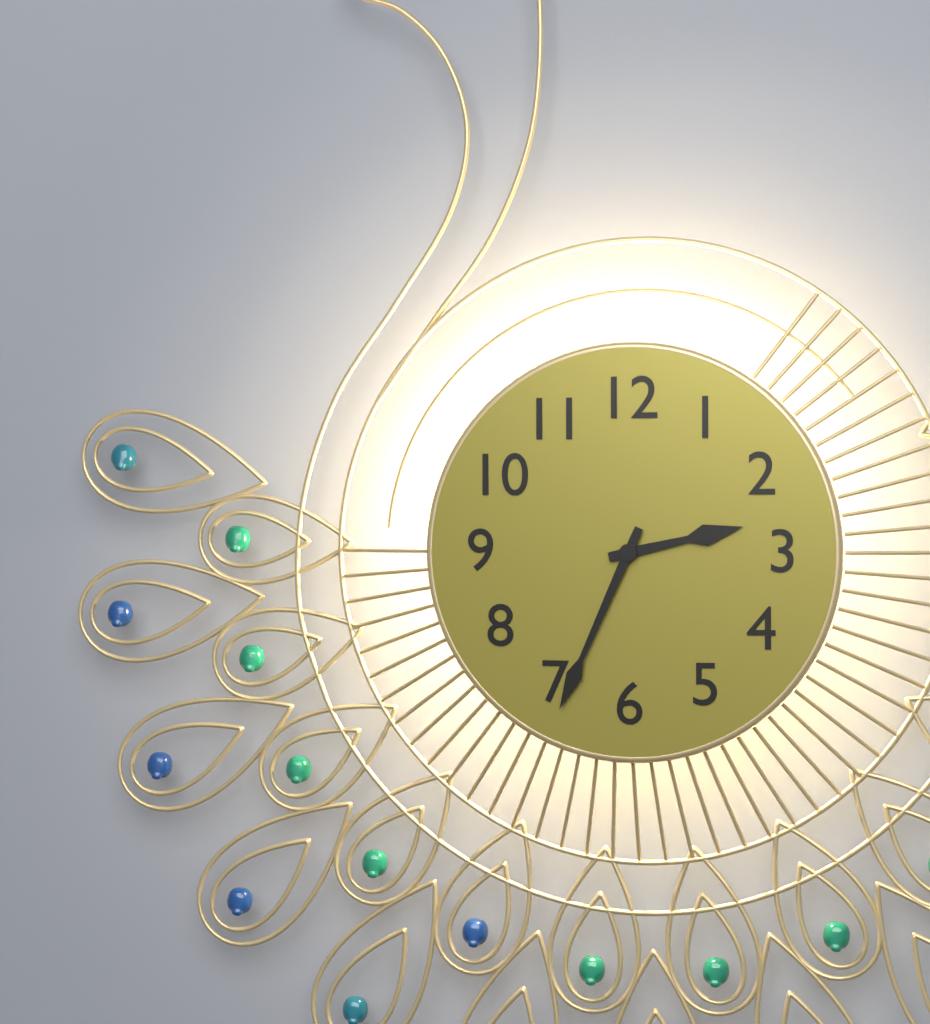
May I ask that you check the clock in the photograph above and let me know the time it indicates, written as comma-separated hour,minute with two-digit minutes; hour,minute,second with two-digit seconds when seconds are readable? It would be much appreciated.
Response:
2,34
